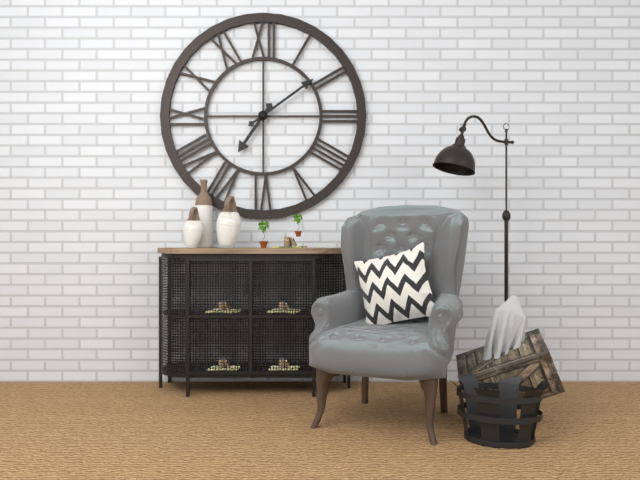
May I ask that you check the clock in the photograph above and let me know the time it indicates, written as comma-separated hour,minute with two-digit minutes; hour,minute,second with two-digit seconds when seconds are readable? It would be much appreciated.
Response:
7,09
